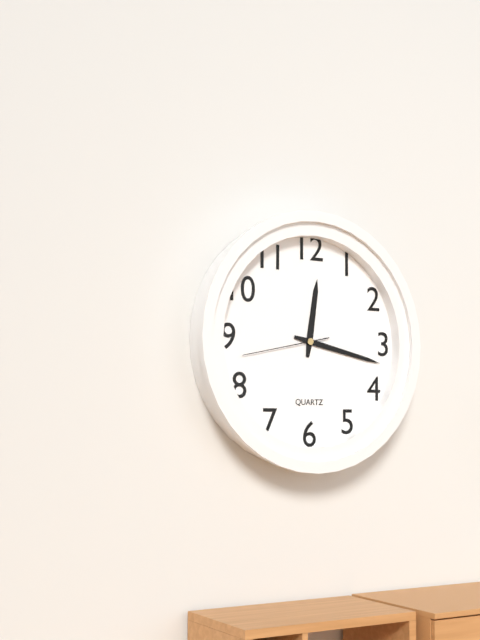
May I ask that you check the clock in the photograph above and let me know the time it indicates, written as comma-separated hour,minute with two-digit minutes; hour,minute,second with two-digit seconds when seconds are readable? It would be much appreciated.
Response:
12,17,43
